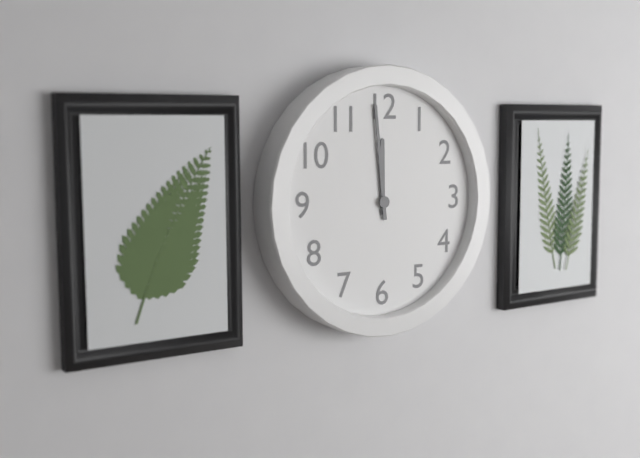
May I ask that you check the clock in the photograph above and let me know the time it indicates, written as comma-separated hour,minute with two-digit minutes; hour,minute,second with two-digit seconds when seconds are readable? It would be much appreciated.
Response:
11,59
